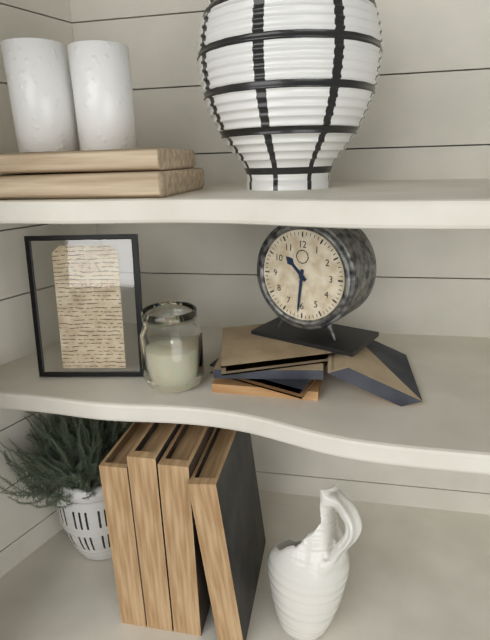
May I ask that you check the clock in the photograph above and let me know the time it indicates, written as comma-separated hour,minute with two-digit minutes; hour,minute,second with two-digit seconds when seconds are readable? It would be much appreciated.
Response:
10,31
